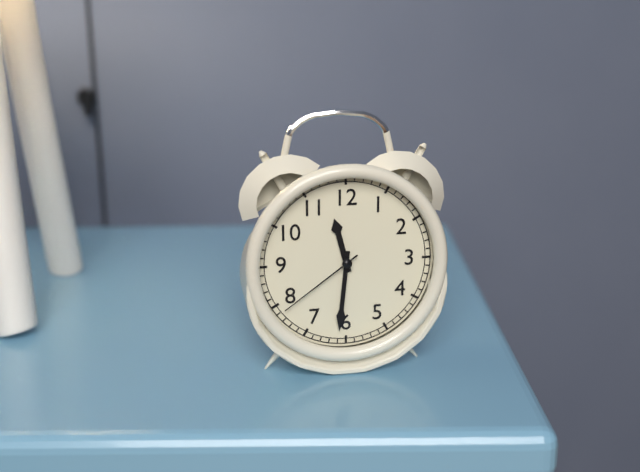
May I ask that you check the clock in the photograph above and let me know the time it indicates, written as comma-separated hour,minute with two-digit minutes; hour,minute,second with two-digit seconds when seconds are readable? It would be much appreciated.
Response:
11,31,39
